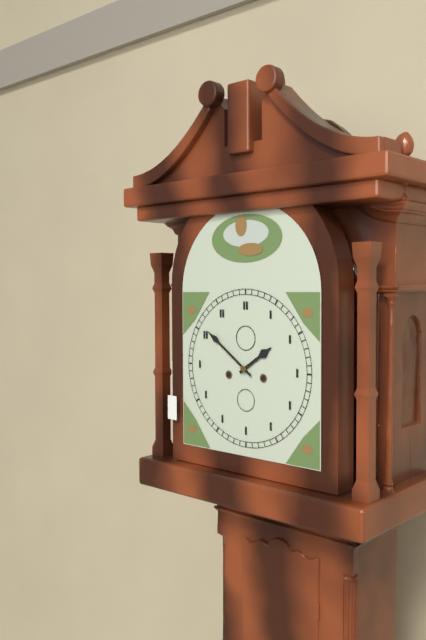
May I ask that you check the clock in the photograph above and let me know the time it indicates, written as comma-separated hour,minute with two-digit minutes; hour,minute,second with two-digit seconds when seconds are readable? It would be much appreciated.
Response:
1,51
